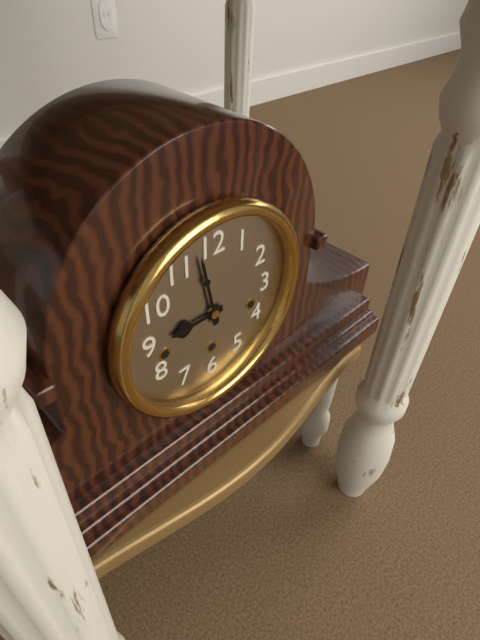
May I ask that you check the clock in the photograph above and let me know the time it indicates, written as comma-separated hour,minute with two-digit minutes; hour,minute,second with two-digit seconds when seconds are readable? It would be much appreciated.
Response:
8,58
